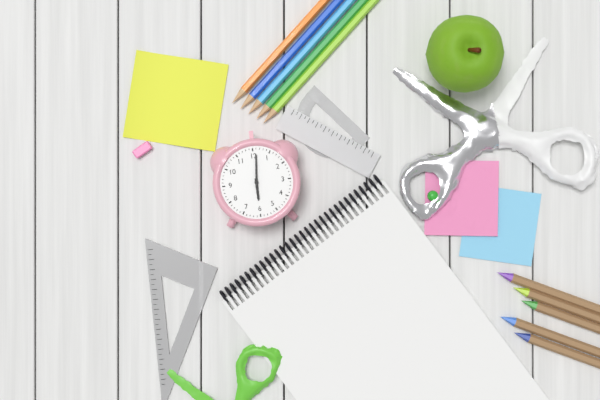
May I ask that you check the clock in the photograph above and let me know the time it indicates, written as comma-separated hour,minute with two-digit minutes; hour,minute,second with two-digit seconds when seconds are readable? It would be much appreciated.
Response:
6,01
